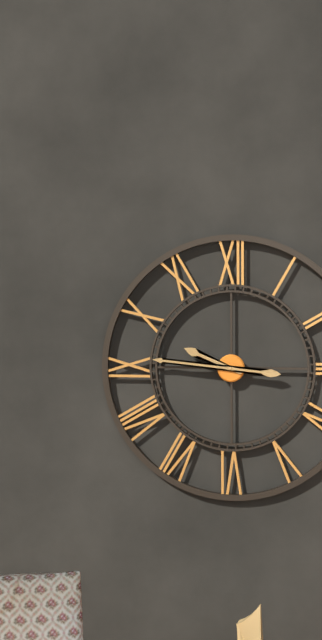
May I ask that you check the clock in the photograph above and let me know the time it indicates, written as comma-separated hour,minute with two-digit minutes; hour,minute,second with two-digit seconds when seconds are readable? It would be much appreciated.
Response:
9,46
